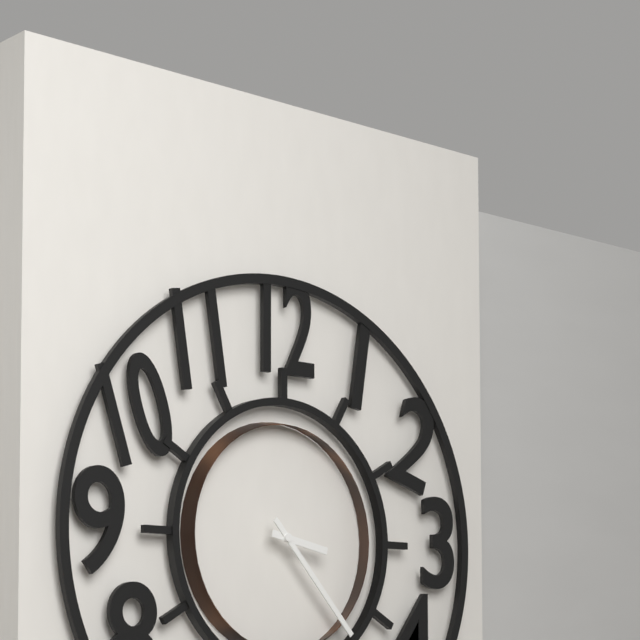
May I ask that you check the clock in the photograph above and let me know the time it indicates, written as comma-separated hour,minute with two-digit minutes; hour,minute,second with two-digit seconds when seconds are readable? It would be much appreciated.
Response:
3,23
